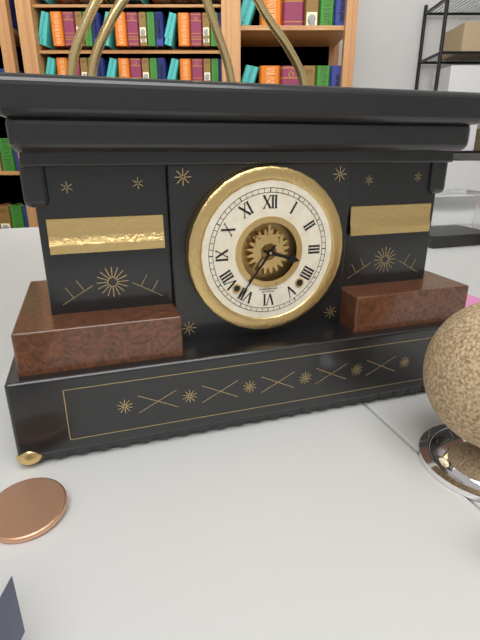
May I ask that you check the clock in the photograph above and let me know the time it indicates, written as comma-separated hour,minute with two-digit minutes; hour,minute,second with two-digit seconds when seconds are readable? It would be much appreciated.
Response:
3,36
